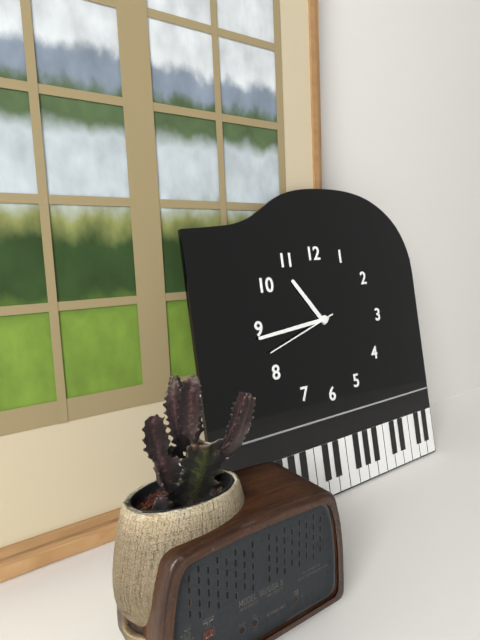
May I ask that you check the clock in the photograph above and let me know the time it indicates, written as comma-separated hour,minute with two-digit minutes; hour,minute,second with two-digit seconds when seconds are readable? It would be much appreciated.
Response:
10,44,42
